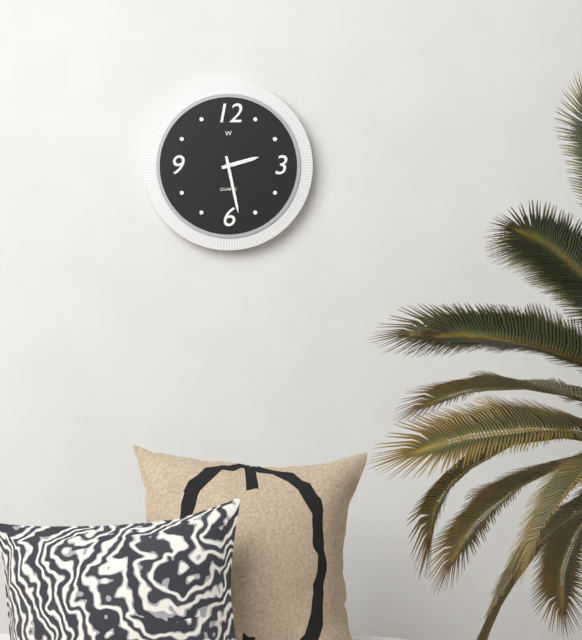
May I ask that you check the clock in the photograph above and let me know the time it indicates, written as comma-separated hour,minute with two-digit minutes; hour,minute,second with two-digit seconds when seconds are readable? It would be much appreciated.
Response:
2,28
